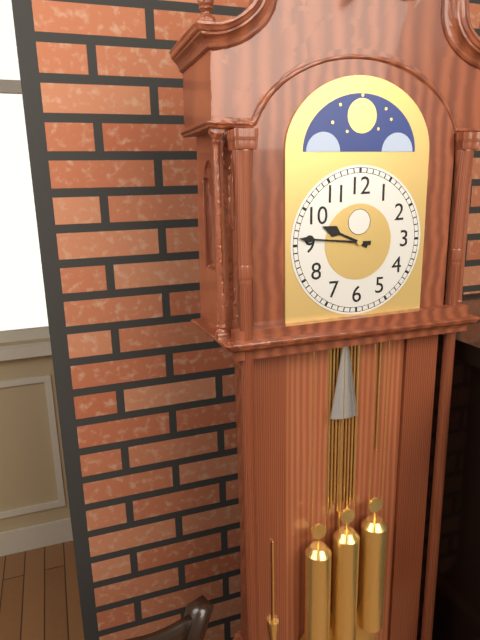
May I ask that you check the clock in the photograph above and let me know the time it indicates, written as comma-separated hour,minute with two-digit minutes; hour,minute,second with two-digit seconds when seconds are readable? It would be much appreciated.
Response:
9,46
